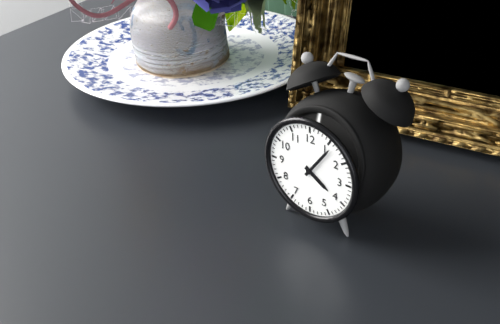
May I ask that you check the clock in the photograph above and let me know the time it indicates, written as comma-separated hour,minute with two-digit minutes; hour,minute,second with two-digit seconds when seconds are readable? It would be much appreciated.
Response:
4,06
